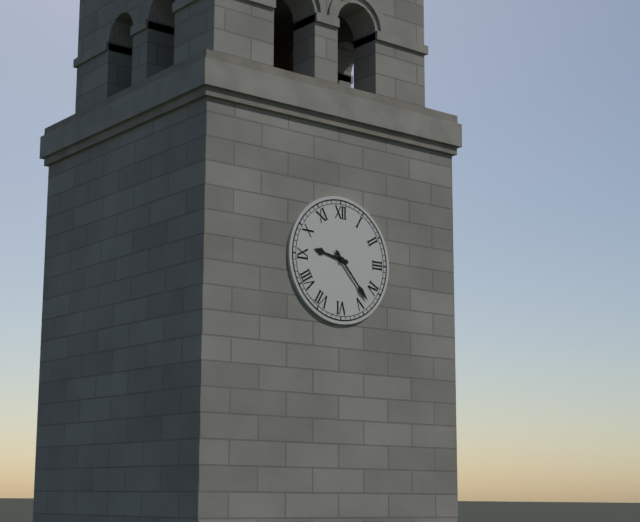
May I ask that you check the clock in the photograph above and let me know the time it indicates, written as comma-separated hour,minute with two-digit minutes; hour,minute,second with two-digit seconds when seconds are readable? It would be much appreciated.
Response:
9,23
